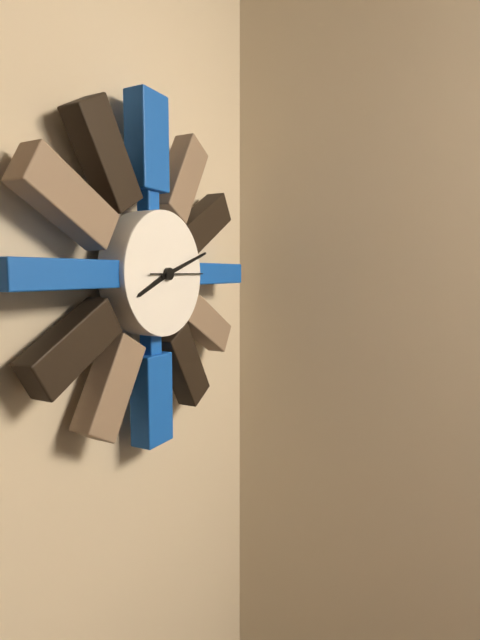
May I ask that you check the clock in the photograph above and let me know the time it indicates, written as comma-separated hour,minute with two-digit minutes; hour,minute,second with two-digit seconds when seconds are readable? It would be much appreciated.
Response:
8,12
